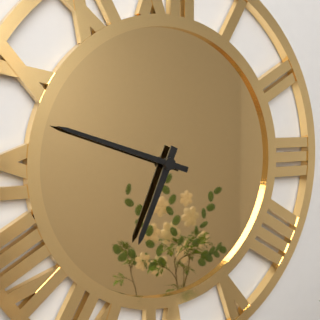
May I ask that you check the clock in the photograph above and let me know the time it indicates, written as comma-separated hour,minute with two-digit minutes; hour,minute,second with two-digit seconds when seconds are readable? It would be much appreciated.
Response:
6,48
